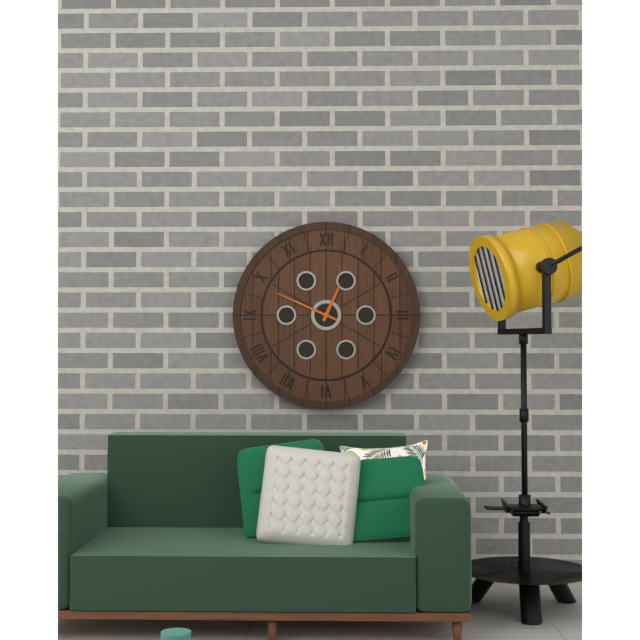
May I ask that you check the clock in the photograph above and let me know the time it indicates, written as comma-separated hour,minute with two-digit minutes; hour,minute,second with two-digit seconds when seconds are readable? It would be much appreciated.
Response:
12,49
